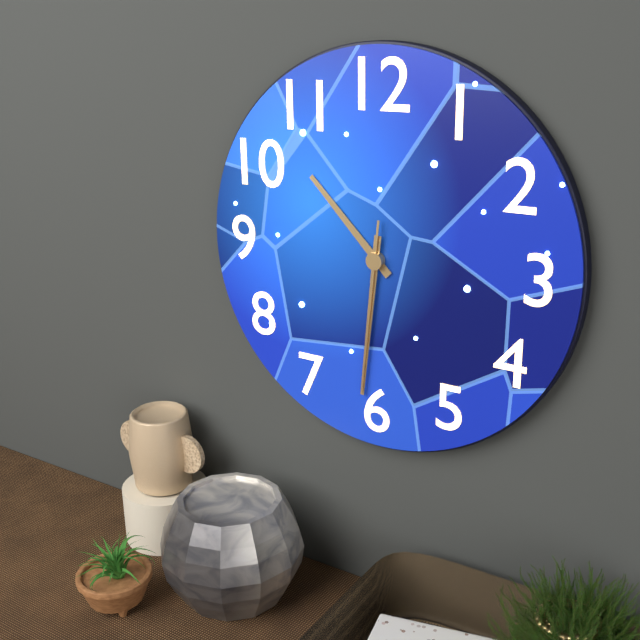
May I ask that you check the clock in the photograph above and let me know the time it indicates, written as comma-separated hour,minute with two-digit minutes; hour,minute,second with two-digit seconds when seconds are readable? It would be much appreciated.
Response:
10,31,31
